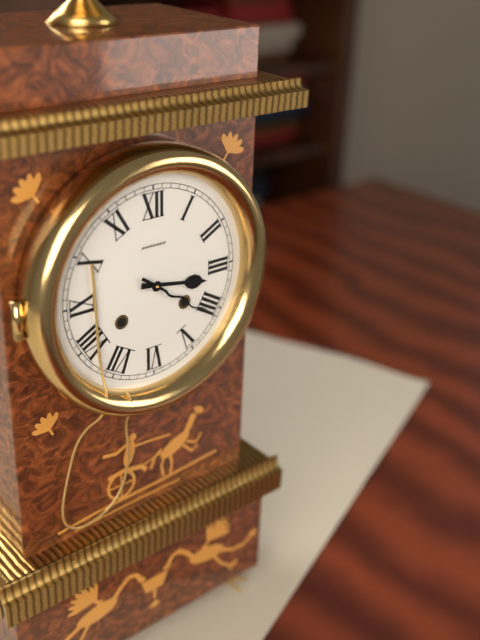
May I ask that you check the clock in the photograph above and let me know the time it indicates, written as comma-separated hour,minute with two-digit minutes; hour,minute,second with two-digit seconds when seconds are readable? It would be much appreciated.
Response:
3,21
